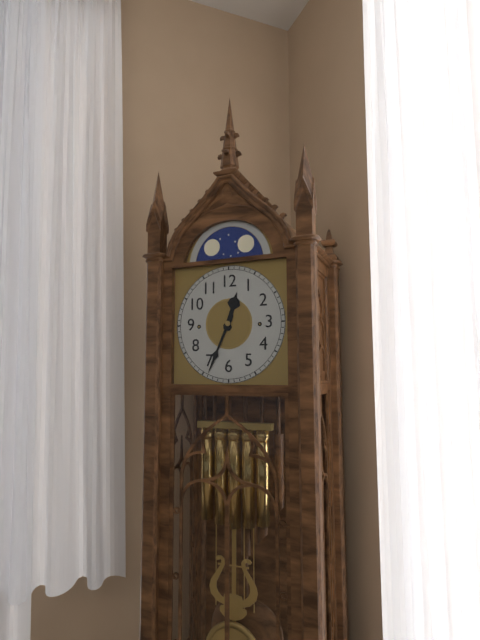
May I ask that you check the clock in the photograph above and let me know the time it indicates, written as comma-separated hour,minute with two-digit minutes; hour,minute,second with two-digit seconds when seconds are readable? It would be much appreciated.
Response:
12,34
